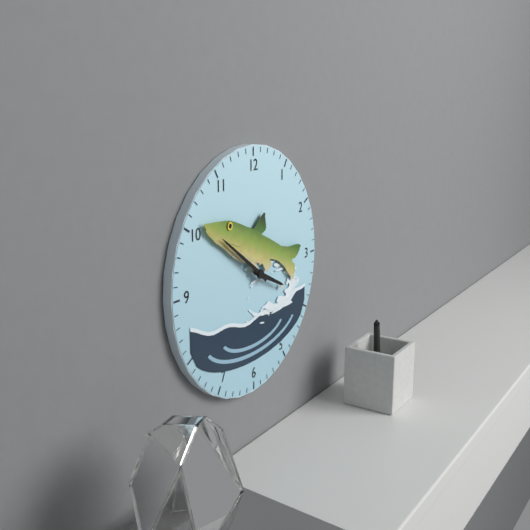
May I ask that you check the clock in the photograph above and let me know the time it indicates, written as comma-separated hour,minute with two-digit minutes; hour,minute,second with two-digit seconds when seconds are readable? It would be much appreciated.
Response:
3,51
